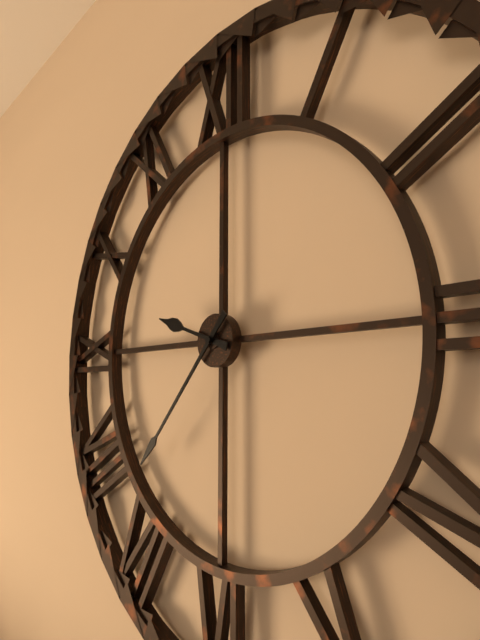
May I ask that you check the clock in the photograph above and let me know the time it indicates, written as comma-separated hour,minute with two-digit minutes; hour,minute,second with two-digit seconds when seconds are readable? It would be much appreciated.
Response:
9,37
